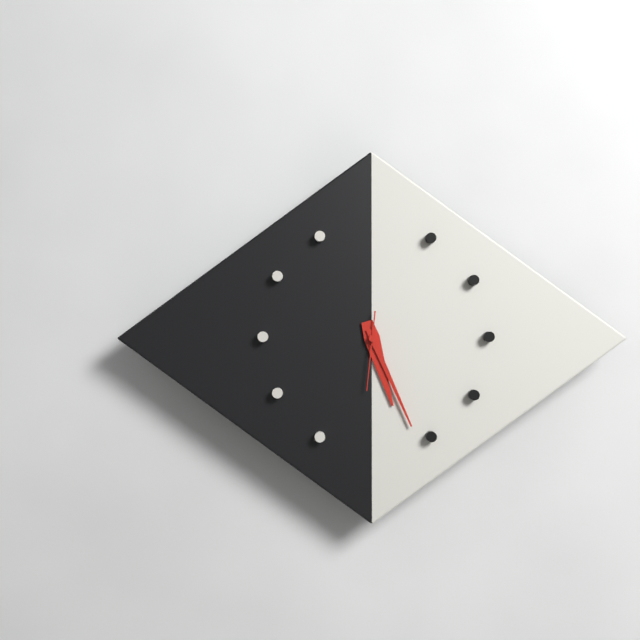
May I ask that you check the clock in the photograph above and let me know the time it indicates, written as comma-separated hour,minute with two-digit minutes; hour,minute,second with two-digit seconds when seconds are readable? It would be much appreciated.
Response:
5,26,31
